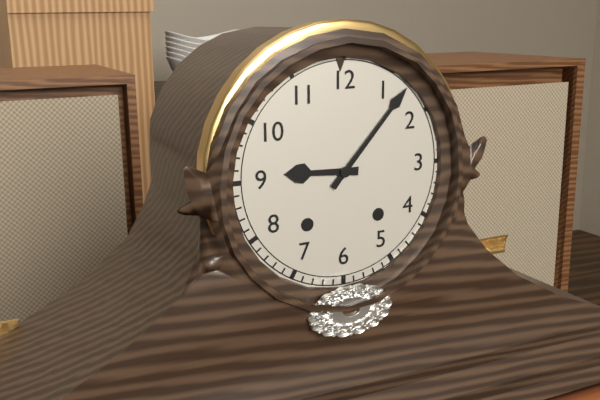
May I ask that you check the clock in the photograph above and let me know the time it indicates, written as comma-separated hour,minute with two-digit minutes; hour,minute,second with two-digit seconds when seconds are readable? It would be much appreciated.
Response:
9,07
